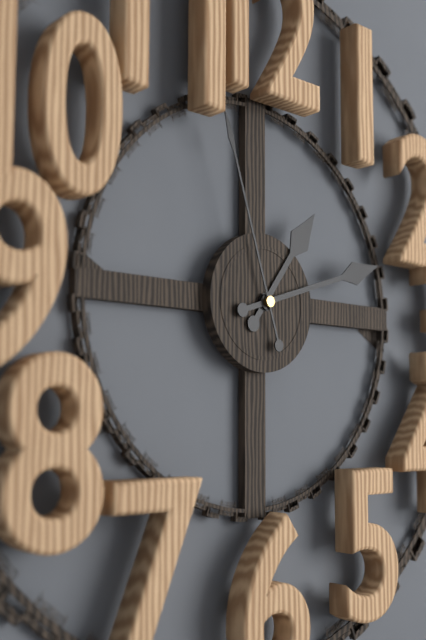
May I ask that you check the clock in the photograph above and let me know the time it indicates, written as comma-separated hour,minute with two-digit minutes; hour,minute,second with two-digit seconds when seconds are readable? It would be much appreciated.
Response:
1,12,57
